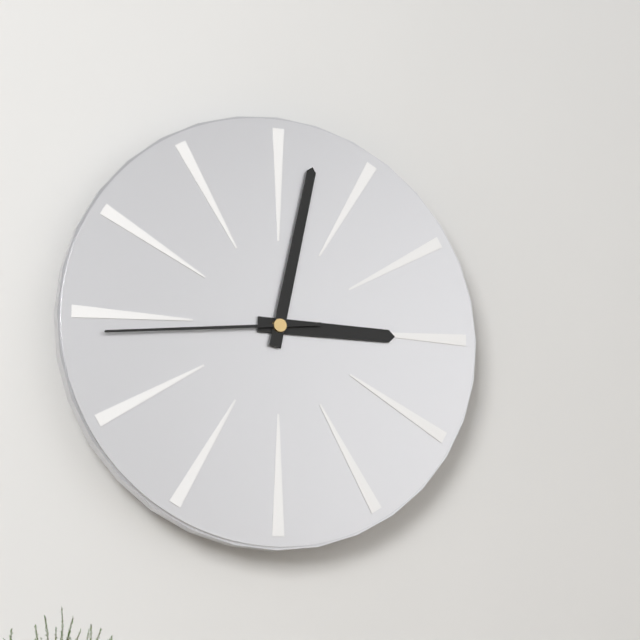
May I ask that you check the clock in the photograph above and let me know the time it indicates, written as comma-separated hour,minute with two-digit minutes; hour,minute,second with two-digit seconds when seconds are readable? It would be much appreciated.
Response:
3,02,44
